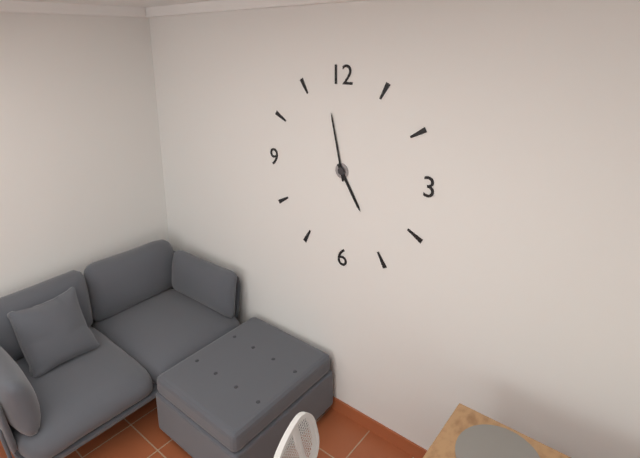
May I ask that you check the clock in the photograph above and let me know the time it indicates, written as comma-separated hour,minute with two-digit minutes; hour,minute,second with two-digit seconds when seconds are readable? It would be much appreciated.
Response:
4,58
